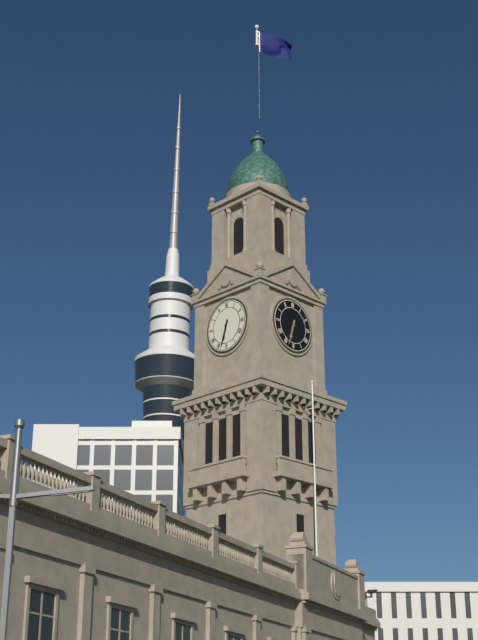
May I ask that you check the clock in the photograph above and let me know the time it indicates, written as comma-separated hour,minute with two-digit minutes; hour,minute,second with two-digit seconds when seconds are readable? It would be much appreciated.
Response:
6,33
